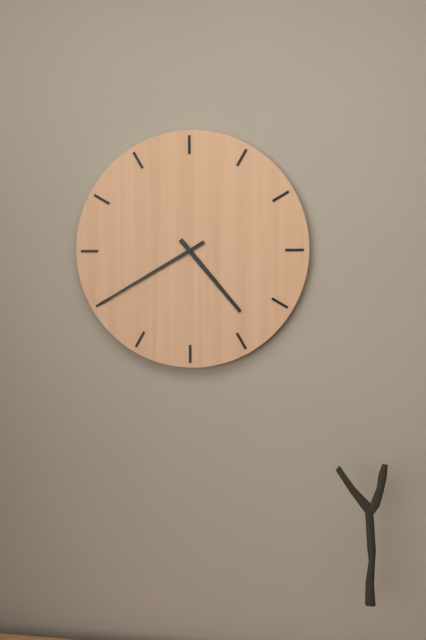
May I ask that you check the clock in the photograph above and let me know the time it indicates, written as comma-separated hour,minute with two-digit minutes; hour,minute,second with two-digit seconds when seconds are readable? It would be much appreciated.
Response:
4,40
